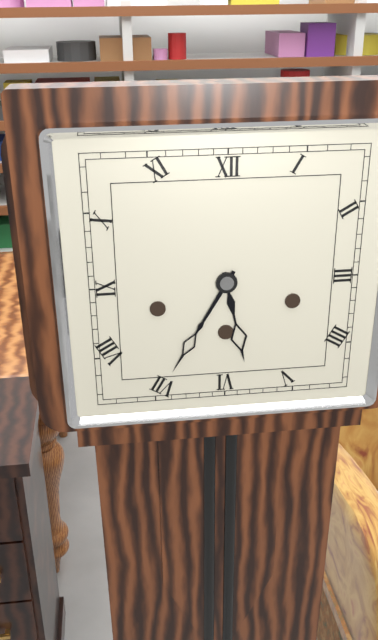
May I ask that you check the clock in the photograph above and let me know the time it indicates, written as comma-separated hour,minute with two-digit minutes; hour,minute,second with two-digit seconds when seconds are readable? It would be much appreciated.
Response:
5,35
